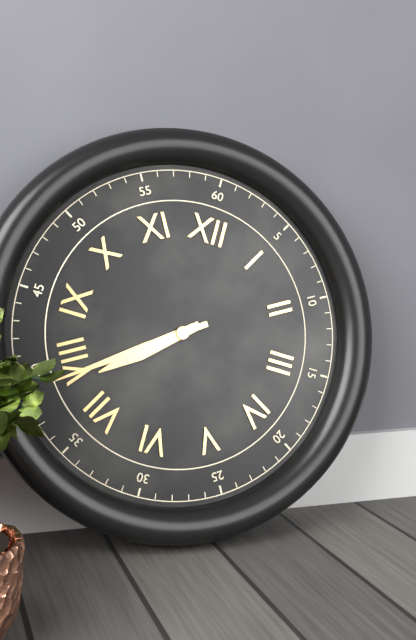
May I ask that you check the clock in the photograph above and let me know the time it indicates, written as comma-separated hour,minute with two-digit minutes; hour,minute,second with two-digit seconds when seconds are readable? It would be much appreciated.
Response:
7,39
